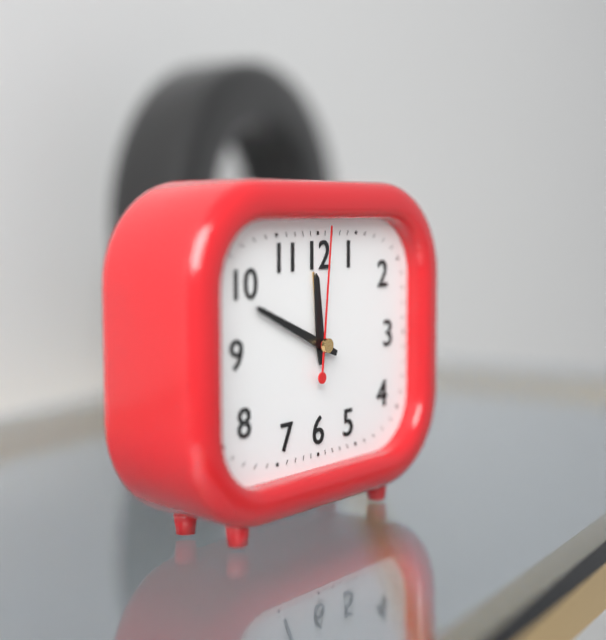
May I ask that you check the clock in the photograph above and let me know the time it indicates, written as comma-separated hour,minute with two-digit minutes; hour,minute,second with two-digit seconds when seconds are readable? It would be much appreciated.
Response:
11,49,01
